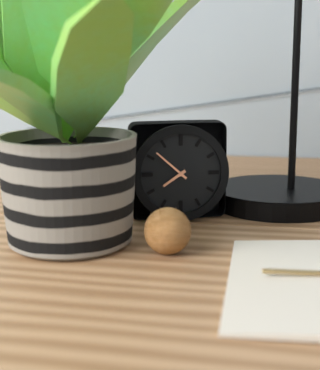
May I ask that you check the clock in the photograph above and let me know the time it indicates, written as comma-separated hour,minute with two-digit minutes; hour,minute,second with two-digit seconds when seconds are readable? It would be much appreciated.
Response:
7,52
